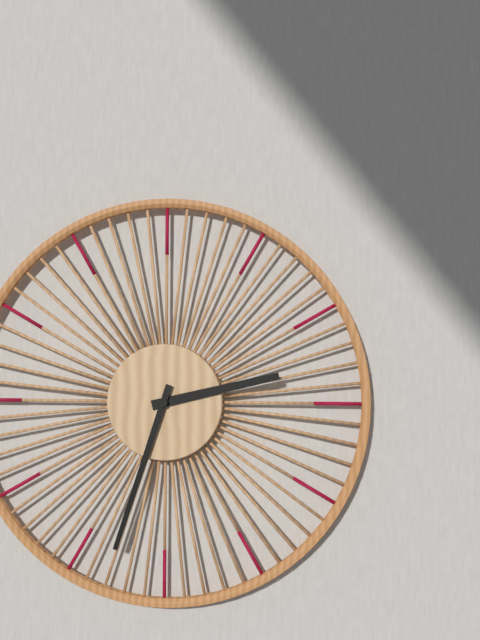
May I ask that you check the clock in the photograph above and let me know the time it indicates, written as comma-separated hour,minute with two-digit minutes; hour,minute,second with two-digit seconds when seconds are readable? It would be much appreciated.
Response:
2,33
